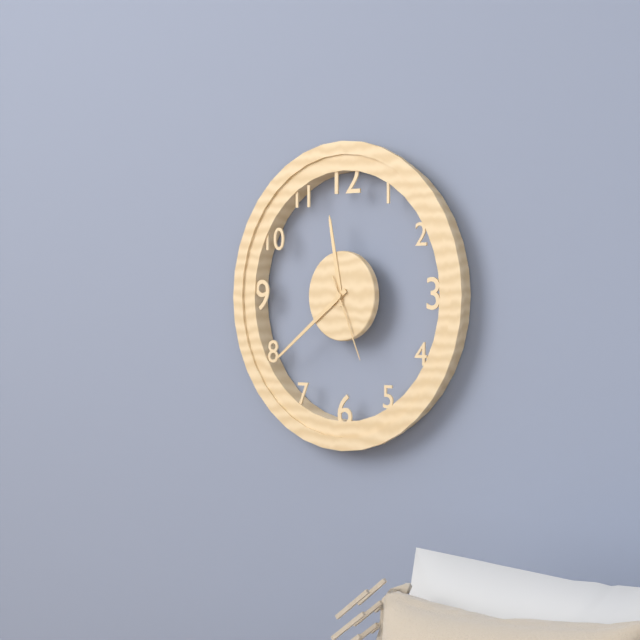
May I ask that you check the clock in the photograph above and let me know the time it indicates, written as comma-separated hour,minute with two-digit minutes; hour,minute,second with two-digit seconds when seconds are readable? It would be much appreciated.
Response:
11,39,26
